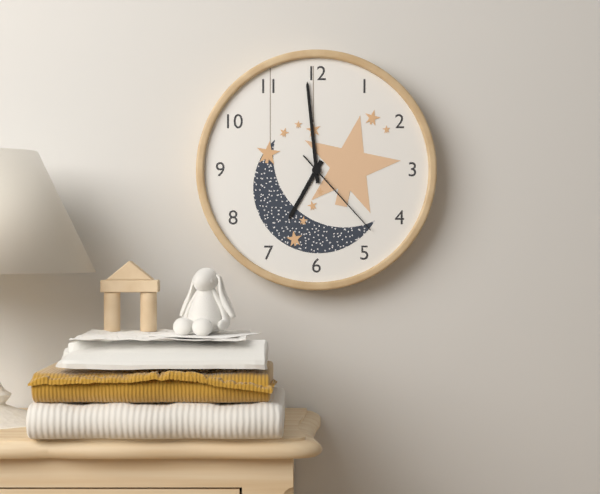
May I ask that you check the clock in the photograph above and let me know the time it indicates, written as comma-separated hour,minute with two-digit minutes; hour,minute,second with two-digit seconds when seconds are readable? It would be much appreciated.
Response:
6,59,23
